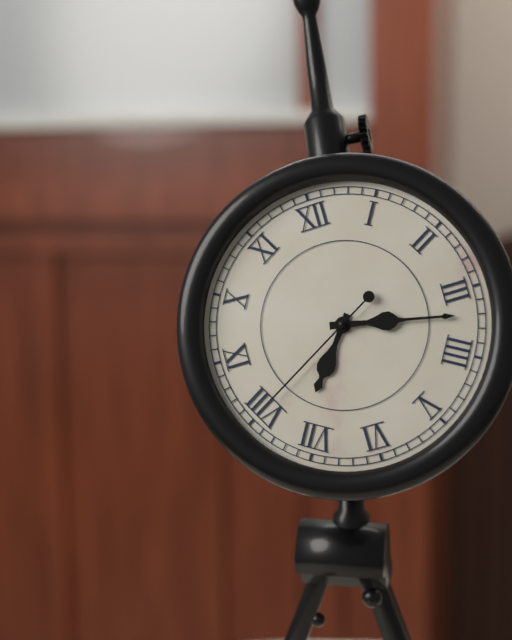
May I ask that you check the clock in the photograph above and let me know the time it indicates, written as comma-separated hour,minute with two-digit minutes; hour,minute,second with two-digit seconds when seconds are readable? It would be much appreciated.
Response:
7,17,40
